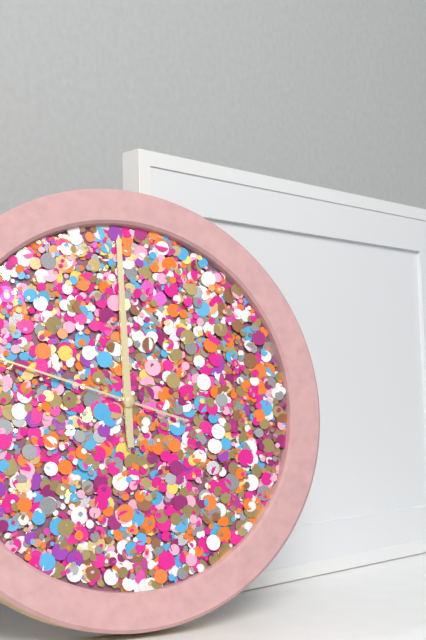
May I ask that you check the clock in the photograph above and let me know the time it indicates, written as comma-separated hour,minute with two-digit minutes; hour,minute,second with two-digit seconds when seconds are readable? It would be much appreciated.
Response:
12,00
